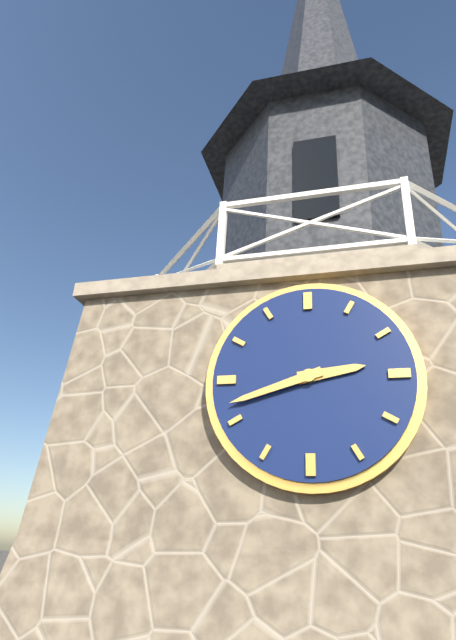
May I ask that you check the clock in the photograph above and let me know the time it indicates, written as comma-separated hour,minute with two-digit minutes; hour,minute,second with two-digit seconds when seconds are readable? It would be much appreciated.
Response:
2,42
